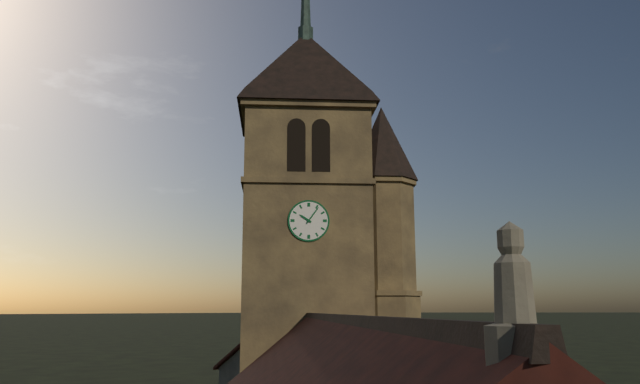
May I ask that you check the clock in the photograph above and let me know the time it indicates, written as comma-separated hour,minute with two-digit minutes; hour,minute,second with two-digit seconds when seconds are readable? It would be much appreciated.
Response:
10,06
